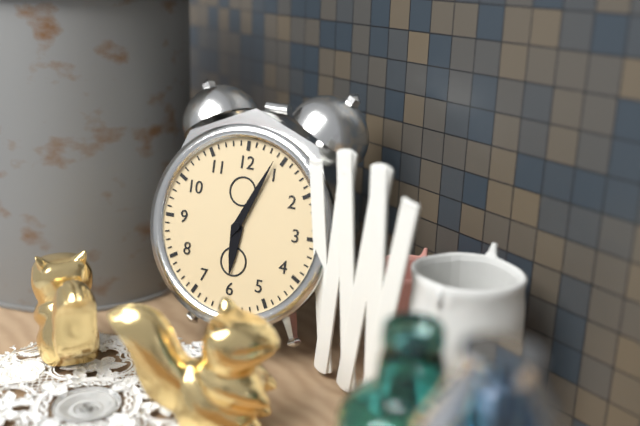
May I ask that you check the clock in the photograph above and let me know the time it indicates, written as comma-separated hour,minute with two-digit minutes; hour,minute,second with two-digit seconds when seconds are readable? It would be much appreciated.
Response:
6,04
